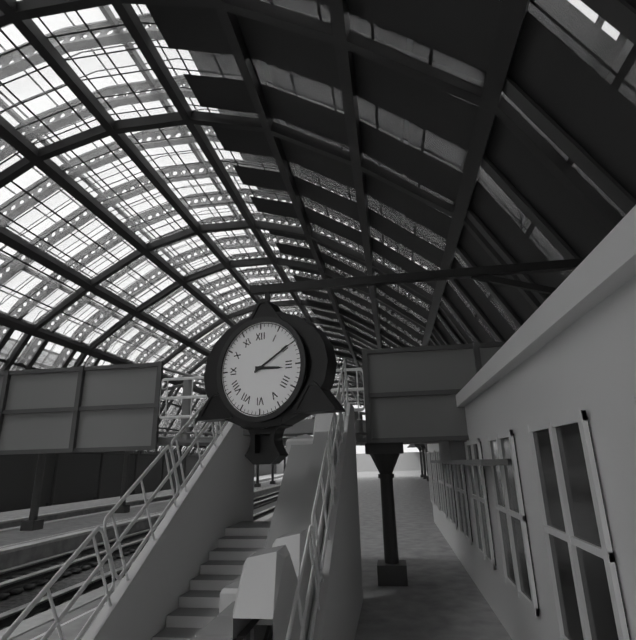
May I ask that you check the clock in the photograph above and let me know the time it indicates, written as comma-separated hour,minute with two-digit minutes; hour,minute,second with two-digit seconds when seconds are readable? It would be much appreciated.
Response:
3,10
